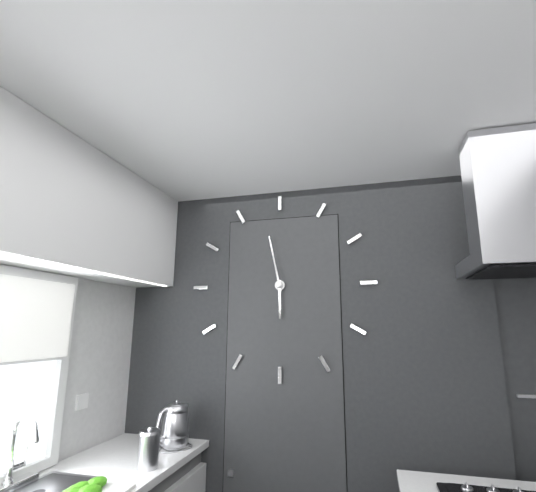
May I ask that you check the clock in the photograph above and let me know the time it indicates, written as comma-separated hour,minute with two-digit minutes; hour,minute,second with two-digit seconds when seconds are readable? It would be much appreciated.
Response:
5,58
